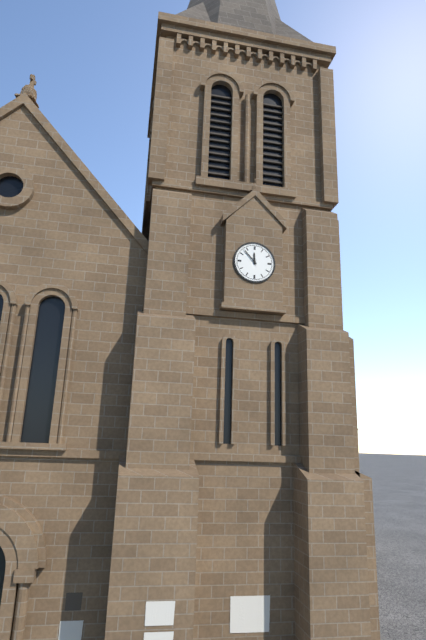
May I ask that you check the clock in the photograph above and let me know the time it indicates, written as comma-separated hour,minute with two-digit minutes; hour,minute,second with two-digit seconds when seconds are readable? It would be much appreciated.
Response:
11,53
